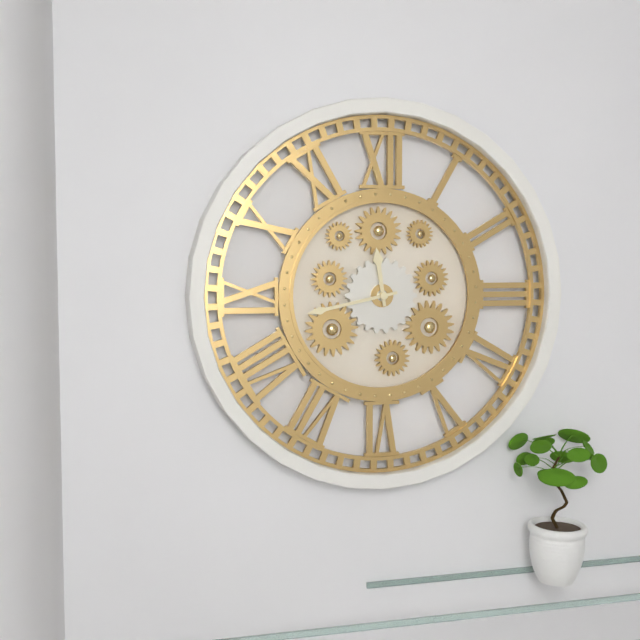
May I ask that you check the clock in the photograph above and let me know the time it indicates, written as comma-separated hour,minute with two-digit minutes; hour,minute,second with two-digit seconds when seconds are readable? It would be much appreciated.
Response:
11,43
